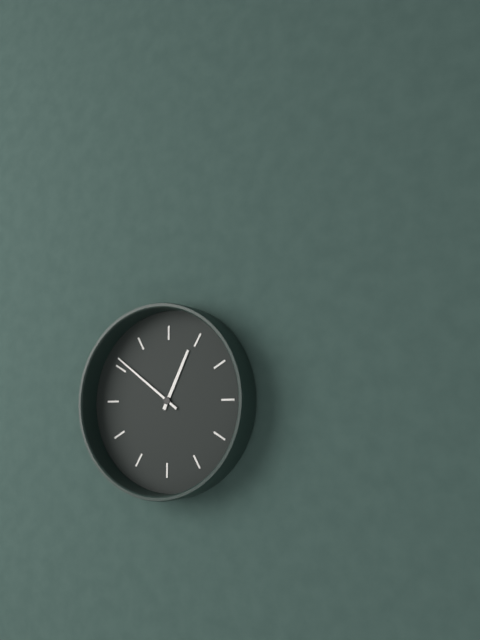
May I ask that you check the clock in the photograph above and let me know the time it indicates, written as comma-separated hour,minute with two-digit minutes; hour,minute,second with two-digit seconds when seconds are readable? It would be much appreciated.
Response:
12,51
